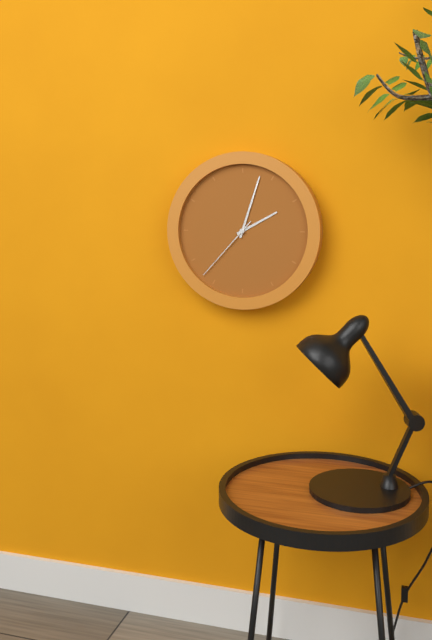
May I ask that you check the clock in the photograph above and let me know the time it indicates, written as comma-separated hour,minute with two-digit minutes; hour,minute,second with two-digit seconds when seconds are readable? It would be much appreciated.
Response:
2,03,37
